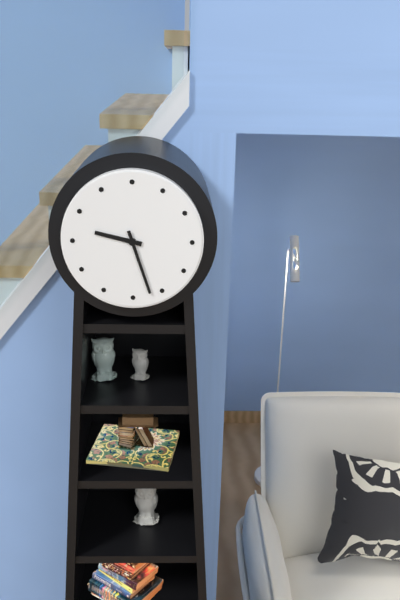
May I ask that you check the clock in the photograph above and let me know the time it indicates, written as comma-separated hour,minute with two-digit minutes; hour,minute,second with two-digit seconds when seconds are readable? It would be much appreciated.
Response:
9,27
